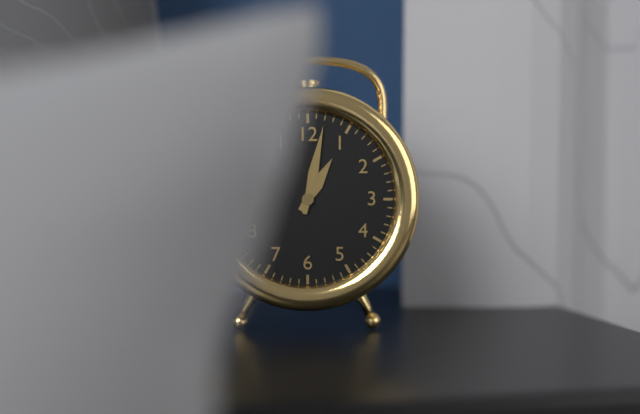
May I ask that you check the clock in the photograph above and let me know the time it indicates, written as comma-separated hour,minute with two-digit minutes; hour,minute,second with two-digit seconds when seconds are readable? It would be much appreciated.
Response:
1,02
